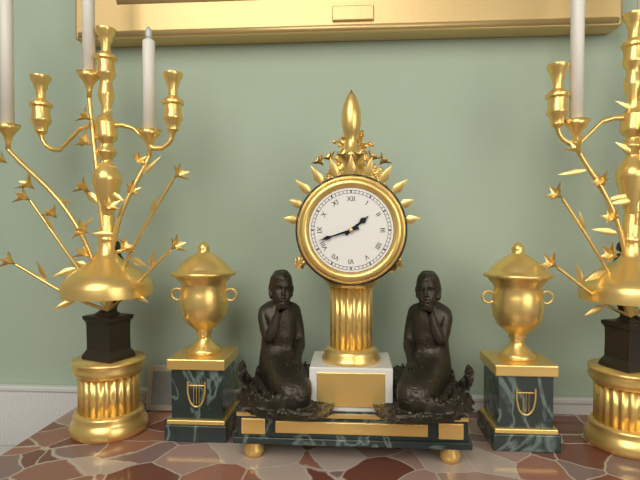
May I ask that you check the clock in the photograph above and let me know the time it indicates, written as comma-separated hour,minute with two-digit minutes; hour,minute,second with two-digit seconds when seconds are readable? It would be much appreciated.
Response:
1,42
